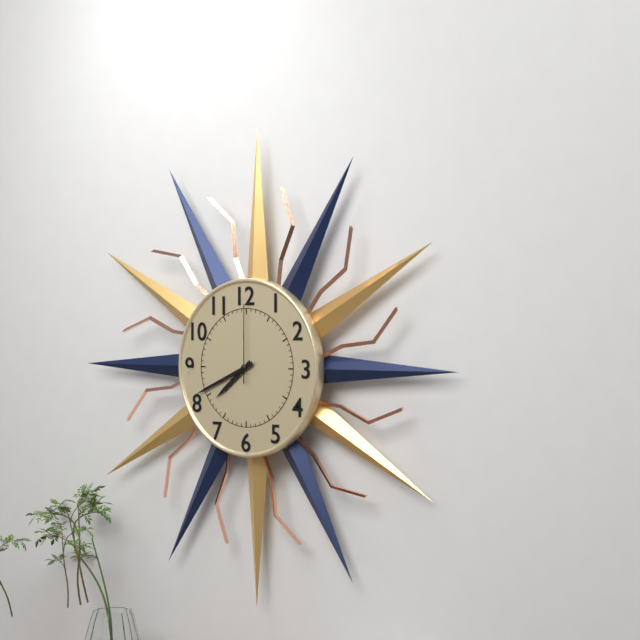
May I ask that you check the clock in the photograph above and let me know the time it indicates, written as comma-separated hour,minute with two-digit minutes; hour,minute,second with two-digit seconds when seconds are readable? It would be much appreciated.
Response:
7,41,00
